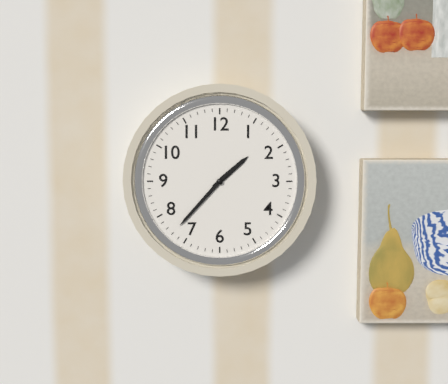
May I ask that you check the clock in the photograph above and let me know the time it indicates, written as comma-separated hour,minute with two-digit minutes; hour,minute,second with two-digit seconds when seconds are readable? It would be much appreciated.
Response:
1,37
